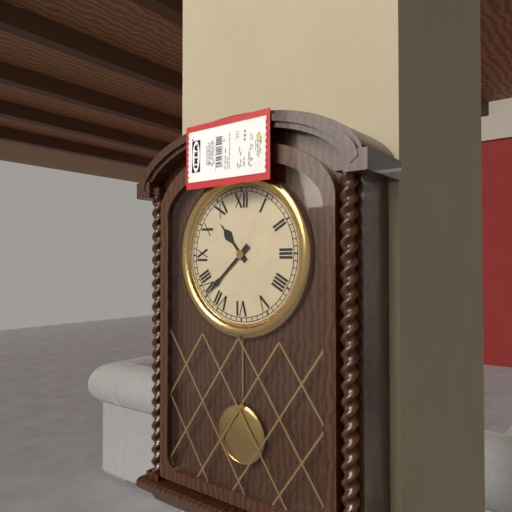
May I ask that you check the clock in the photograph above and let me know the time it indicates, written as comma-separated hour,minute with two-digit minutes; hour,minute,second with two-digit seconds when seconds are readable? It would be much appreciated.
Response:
10,38
